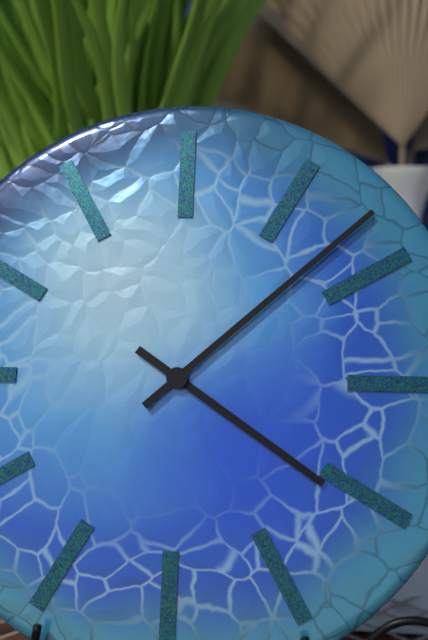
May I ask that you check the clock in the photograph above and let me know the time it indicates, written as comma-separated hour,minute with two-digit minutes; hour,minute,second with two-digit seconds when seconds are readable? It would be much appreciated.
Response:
4,08
